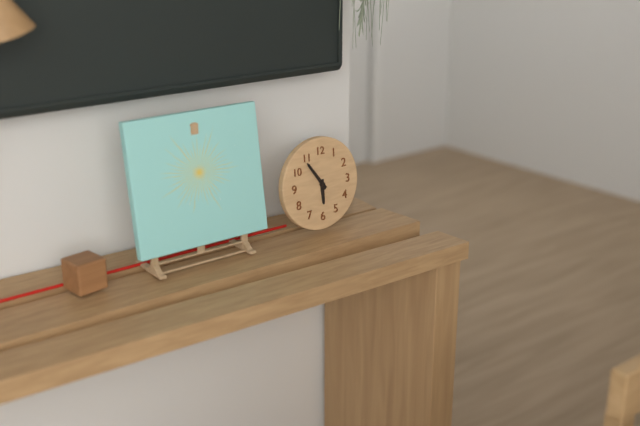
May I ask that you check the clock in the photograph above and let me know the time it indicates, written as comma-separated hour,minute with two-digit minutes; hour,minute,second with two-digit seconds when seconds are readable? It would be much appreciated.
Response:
5,54
